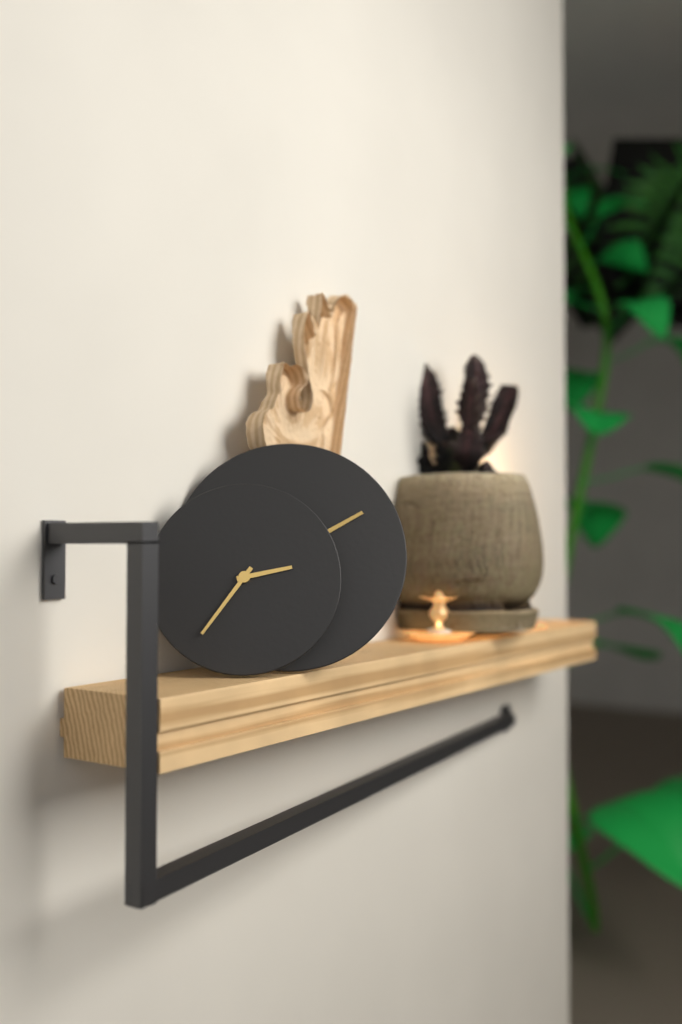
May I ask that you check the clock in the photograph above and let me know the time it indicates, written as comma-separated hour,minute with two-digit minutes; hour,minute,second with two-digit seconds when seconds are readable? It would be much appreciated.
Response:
2,36
